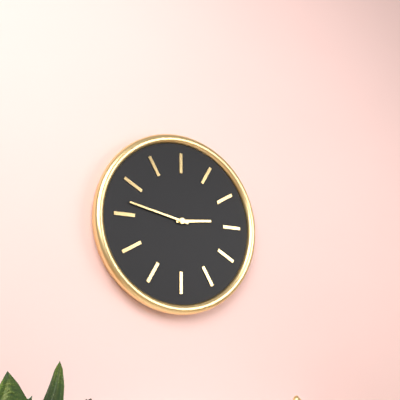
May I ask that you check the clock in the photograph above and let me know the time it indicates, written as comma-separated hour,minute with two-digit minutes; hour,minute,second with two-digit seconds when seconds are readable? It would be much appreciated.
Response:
2,47
